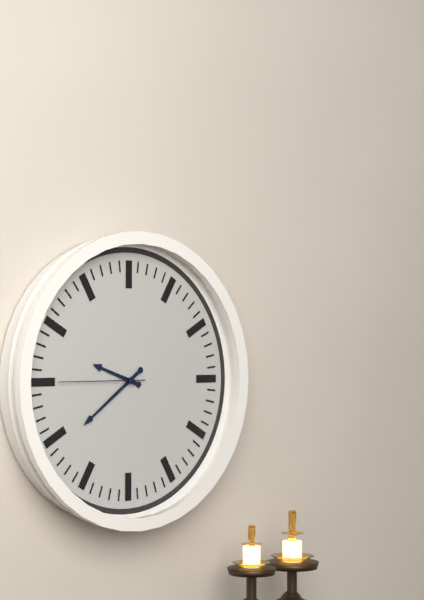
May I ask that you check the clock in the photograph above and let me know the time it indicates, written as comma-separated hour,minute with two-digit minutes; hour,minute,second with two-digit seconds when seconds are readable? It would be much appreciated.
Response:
9,39,45
